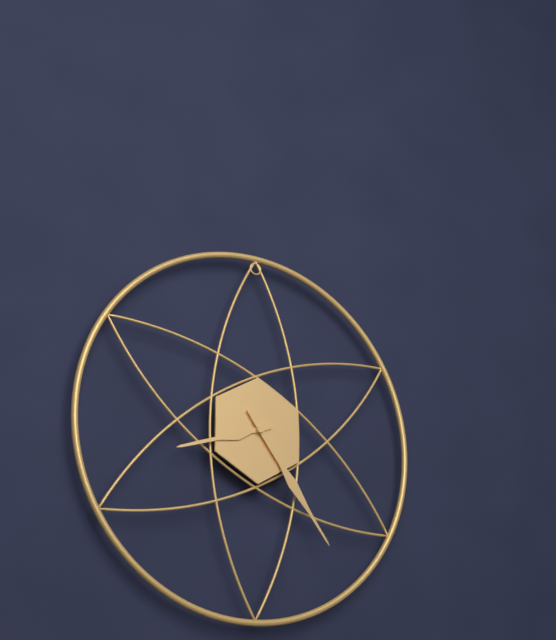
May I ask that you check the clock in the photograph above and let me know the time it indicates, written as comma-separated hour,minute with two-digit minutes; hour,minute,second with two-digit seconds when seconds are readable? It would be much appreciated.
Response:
8,24
